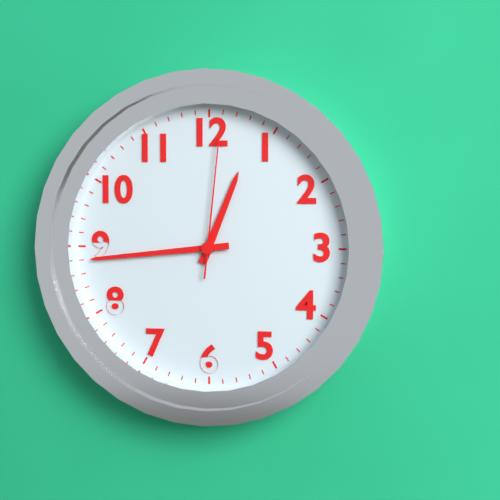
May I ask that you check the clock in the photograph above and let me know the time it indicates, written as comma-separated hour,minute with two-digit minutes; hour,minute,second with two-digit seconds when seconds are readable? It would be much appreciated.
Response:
12,44,01
